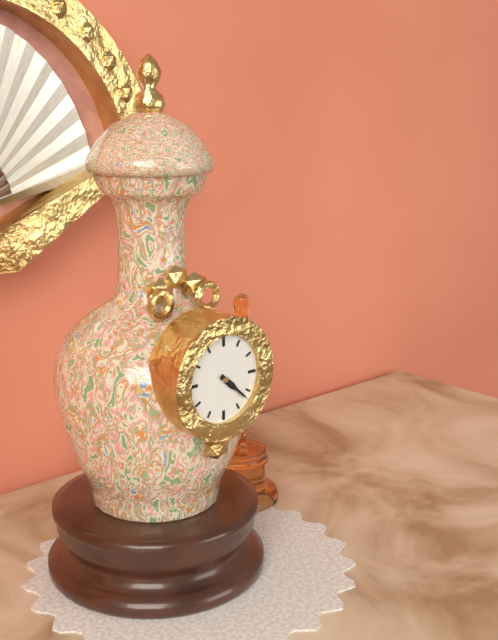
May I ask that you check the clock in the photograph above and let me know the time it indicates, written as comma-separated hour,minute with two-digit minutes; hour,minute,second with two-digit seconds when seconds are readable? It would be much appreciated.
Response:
4,22
